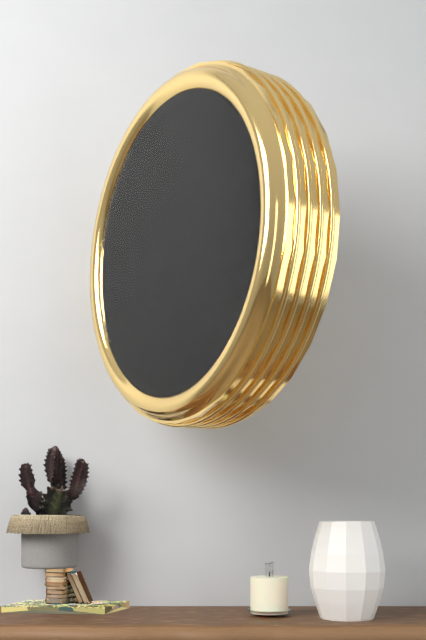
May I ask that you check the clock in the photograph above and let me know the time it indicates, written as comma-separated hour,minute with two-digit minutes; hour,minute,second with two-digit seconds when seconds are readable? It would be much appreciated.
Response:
12,34,05
